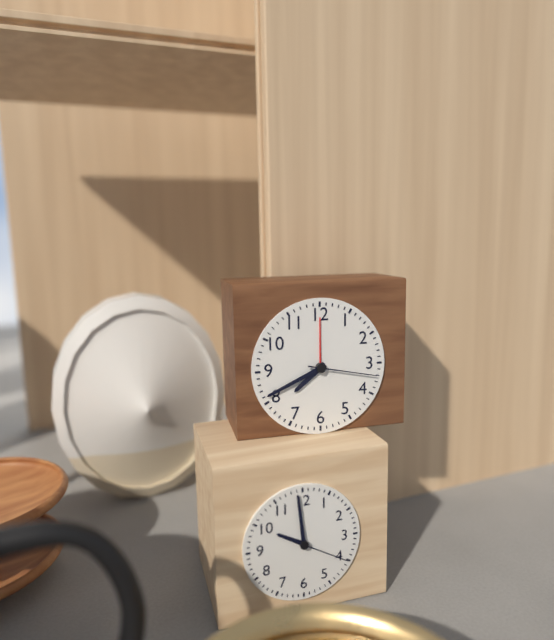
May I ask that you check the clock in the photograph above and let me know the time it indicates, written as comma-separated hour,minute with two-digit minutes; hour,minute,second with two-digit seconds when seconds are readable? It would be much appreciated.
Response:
7,41,17
